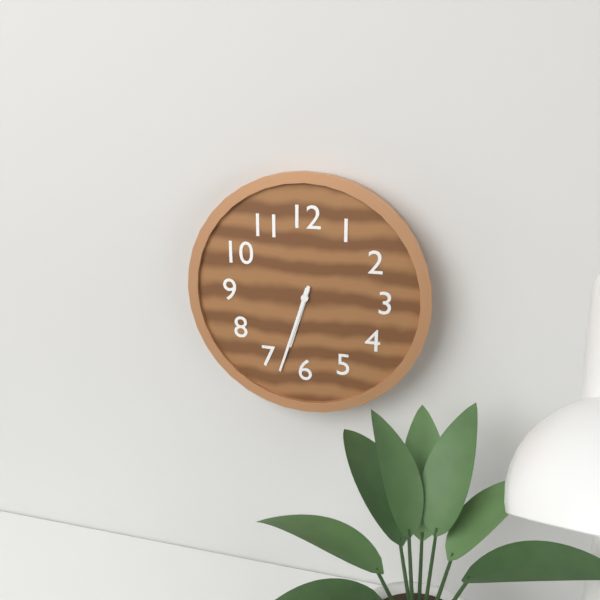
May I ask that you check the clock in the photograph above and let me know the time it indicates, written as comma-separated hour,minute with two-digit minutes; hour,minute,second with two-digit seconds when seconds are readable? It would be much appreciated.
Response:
6,33
